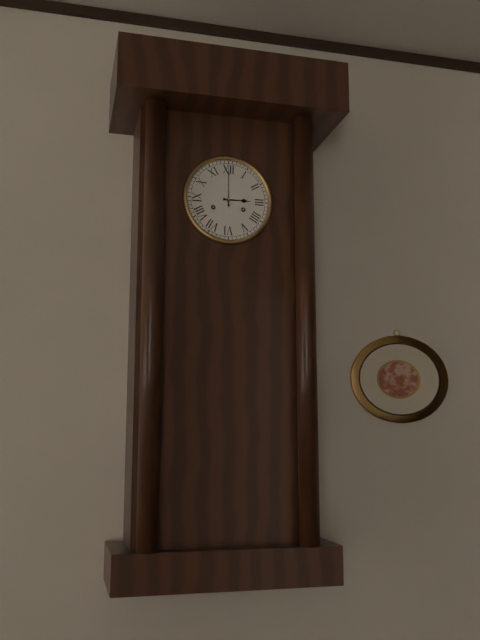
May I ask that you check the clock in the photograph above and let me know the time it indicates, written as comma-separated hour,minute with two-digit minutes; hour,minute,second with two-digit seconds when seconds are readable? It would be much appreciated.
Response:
3,00
